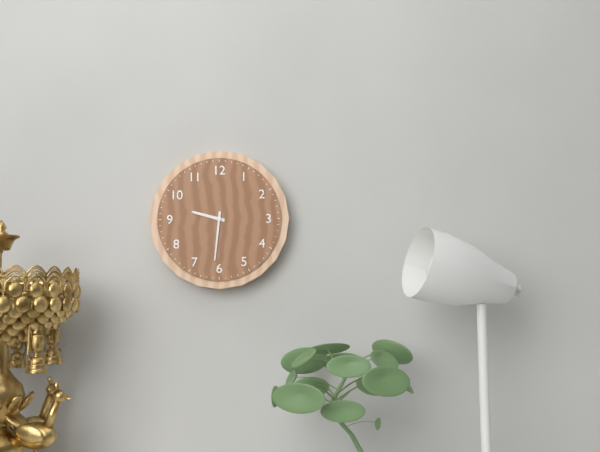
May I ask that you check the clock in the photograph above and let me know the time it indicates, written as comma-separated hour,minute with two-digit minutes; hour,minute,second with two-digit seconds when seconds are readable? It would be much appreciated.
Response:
9,31
